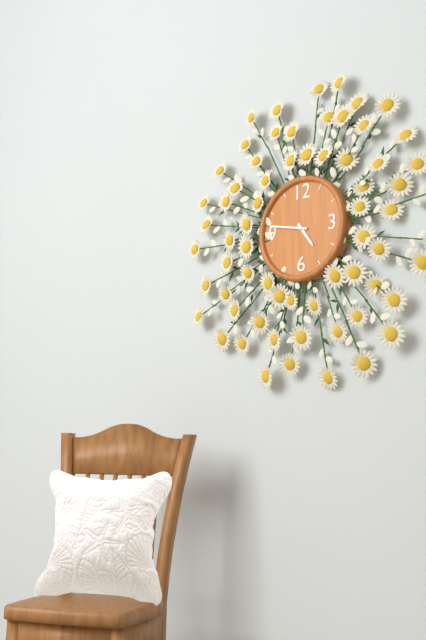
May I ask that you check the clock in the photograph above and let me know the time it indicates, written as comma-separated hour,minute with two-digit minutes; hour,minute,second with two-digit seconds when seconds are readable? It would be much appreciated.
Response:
4,47
